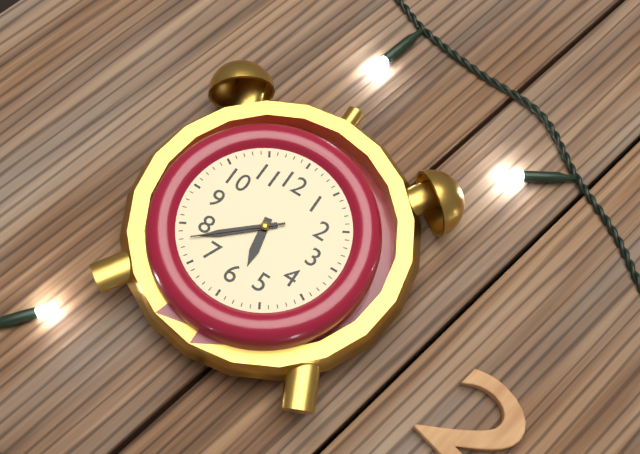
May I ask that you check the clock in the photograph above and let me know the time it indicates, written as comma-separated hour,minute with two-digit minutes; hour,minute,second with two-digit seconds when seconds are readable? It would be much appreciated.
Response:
5,38,38
